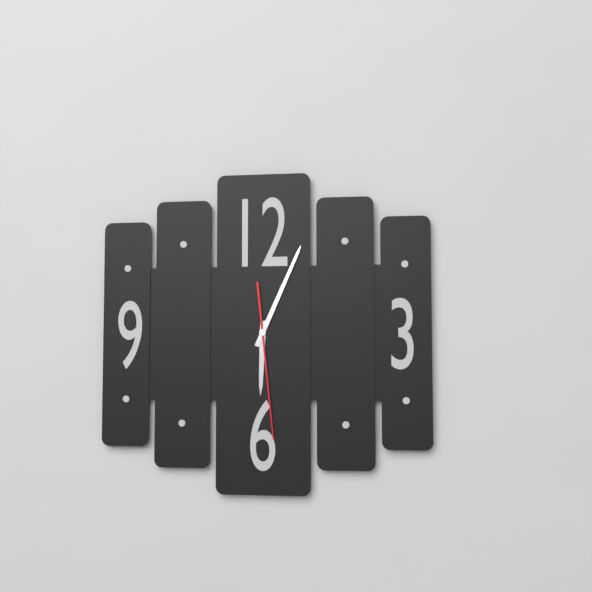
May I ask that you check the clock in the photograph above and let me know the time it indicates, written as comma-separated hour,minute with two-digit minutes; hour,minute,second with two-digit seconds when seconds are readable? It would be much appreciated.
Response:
6,04,29
